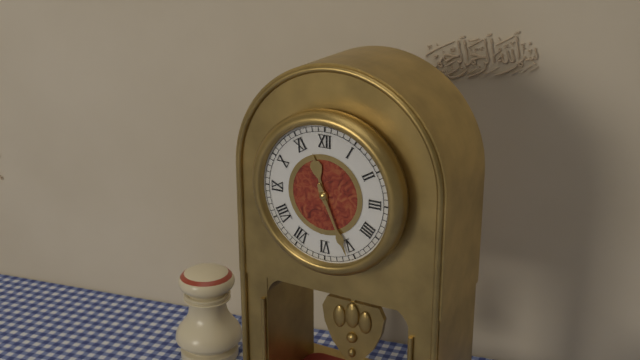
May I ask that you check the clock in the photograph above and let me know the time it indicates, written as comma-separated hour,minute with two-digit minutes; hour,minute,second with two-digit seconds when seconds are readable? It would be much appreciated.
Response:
11,26
